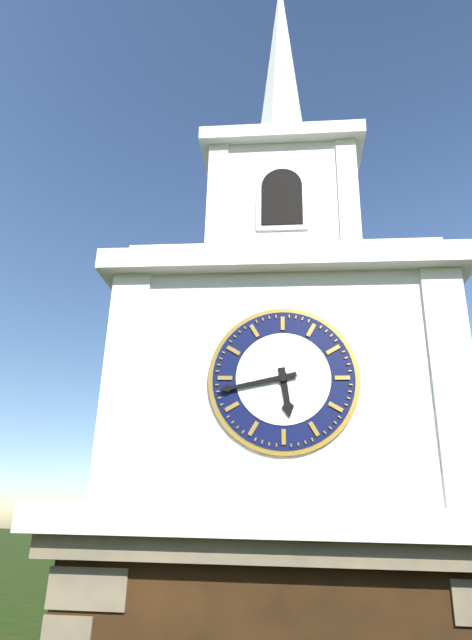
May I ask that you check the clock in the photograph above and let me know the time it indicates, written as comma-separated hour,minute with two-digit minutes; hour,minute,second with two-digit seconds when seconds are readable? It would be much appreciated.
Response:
5,43
